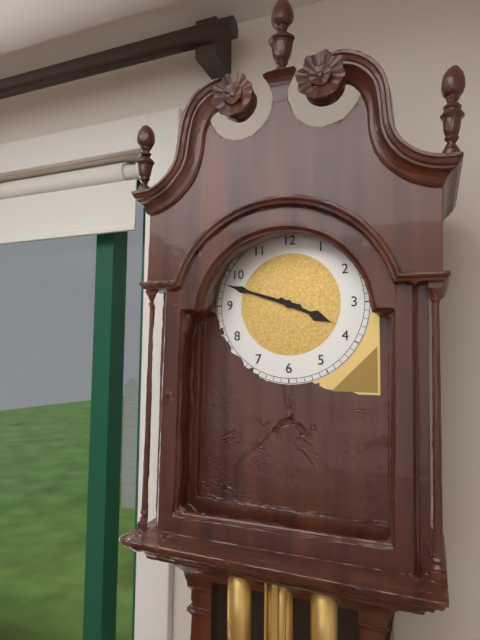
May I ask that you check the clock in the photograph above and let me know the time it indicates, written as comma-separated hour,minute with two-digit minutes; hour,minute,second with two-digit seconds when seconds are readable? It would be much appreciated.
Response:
3,48
